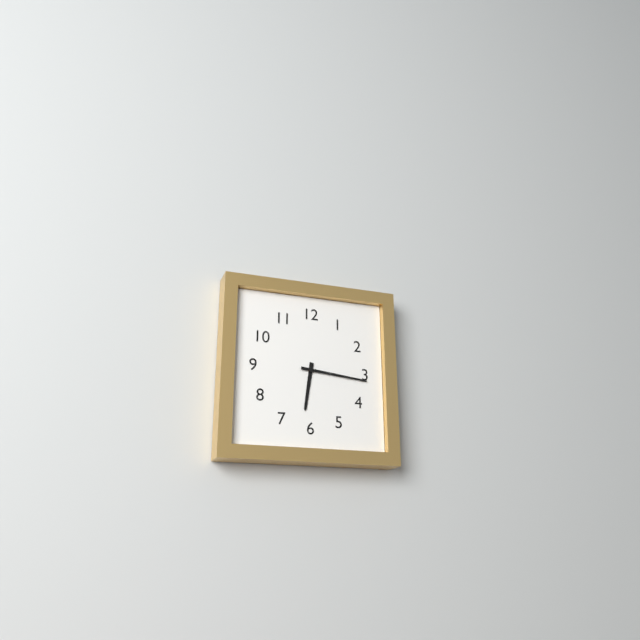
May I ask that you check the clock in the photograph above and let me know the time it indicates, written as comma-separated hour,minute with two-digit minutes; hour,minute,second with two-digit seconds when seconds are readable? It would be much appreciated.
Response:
6,16
